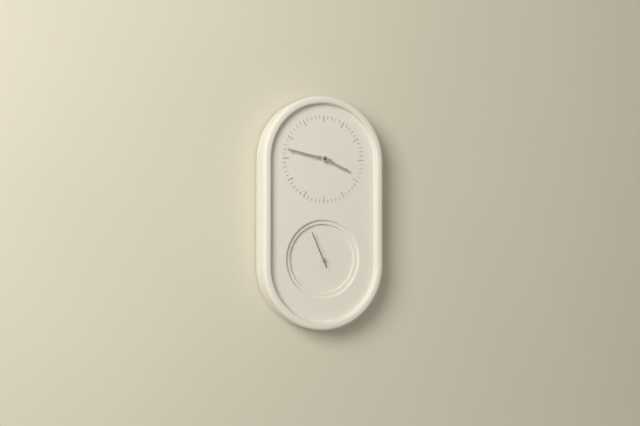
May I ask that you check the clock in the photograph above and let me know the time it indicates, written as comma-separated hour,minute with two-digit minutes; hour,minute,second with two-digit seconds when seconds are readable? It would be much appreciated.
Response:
3,47
